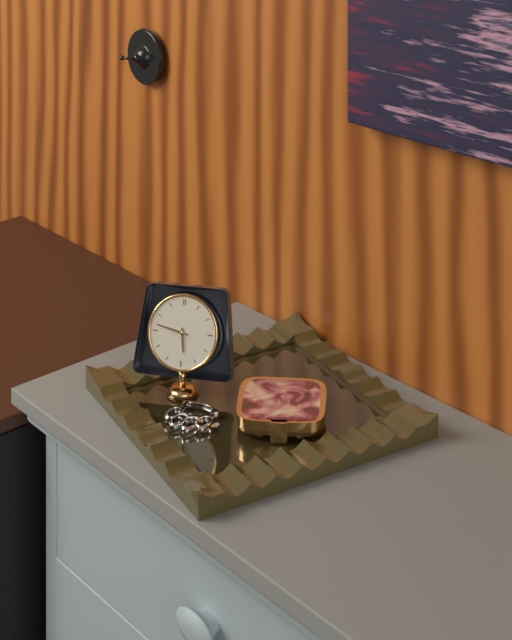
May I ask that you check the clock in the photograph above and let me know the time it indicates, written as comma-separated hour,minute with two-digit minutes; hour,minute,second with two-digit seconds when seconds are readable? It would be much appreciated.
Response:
5,47
